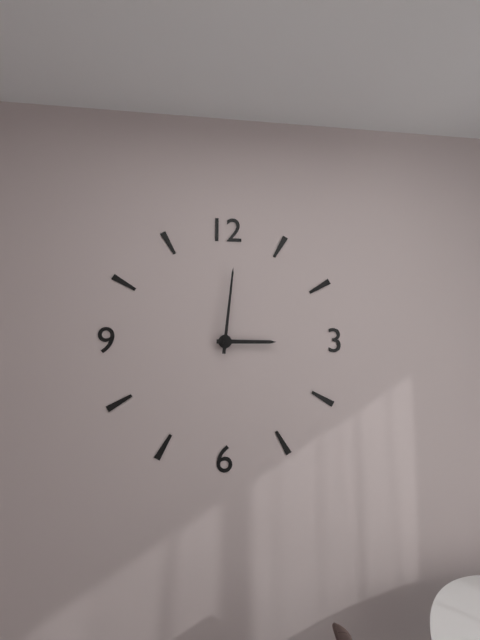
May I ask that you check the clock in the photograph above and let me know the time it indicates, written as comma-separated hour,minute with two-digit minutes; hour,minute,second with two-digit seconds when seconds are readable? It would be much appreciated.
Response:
3,01
